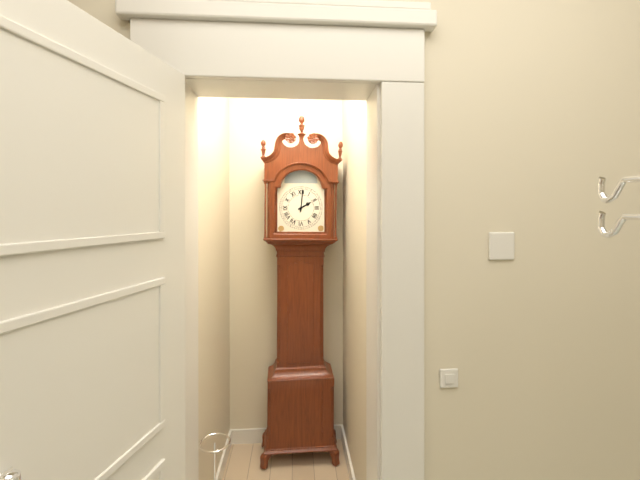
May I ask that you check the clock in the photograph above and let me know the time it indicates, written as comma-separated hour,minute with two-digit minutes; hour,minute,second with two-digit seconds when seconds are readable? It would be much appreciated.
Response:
2,01
